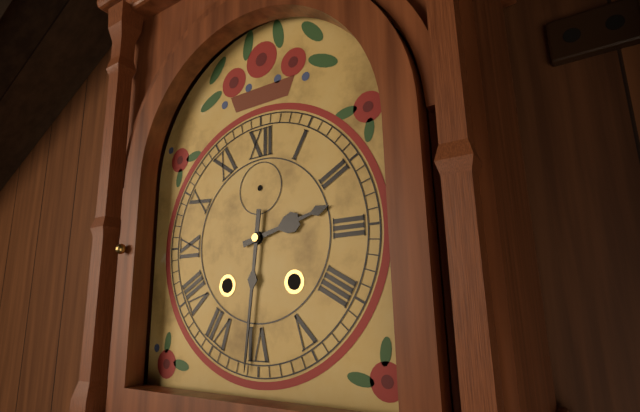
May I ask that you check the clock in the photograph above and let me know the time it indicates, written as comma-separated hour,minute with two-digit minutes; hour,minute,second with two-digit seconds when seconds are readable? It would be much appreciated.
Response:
2,31
